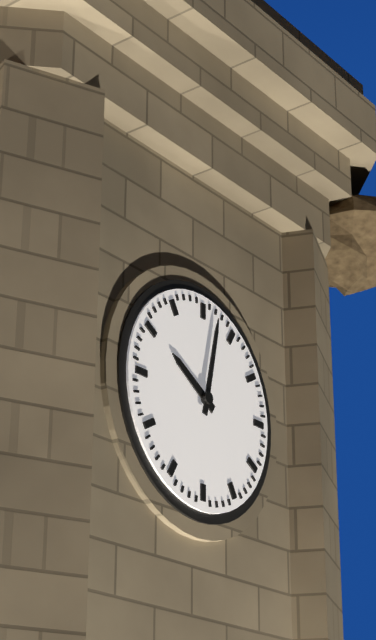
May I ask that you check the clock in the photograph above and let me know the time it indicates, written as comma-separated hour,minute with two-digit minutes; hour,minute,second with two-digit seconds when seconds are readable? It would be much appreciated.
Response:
10,02
